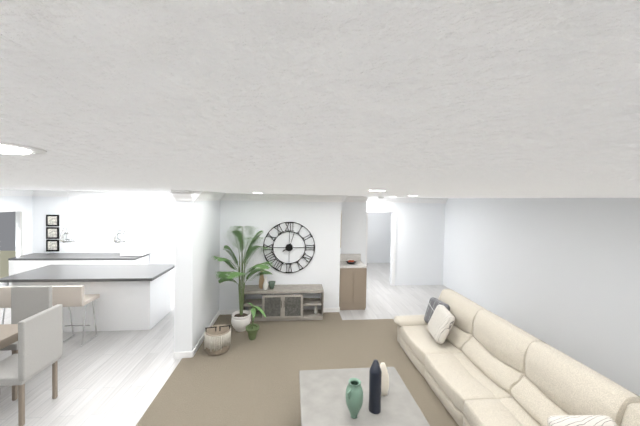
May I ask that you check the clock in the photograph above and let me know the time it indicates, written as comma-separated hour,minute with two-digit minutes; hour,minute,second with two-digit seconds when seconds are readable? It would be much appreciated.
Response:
8,03
